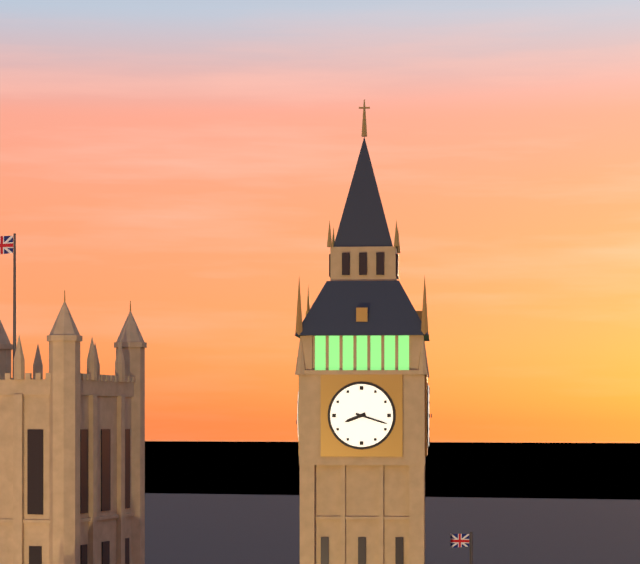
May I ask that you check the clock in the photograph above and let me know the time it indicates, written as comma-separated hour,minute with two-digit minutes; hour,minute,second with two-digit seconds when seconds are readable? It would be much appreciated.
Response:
8,18
